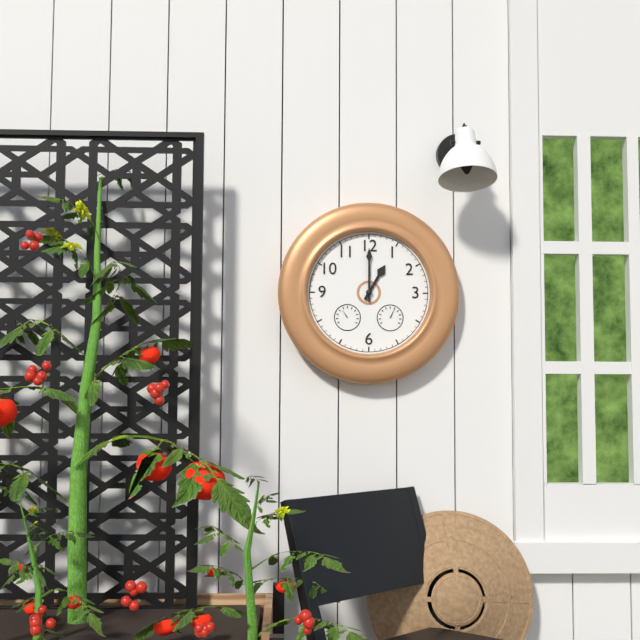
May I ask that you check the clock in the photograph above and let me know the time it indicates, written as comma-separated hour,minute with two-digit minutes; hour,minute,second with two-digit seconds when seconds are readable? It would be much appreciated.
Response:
1,00
